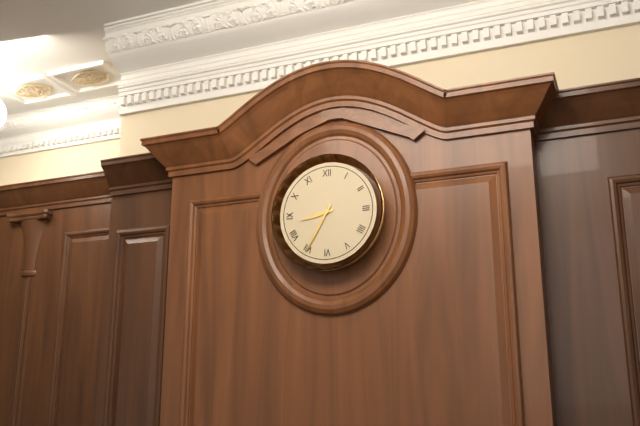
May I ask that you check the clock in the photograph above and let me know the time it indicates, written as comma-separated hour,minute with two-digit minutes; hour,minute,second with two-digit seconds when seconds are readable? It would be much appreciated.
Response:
8,35
